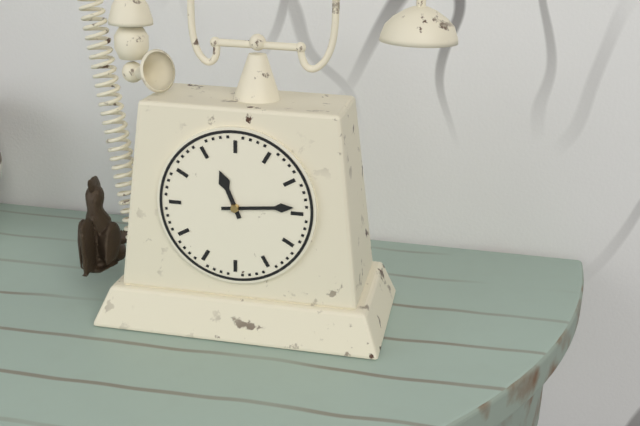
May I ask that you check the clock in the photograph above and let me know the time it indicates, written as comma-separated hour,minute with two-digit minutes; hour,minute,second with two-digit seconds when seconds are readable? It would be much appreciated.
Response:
11,14
